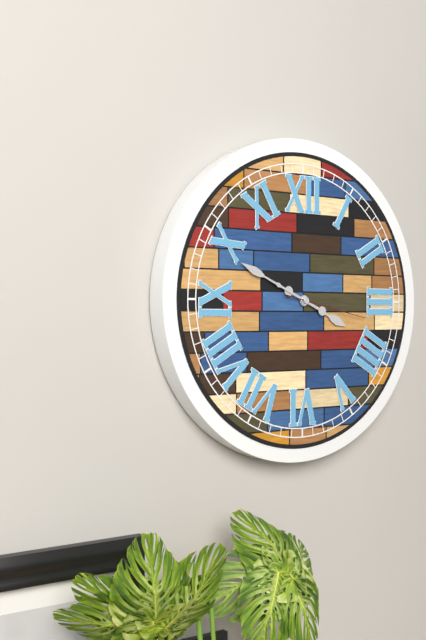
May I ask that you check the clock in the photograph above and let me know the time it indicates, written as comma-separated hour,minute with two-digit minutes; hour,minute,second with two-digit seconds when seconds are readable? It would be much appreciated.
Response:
3,49,17
